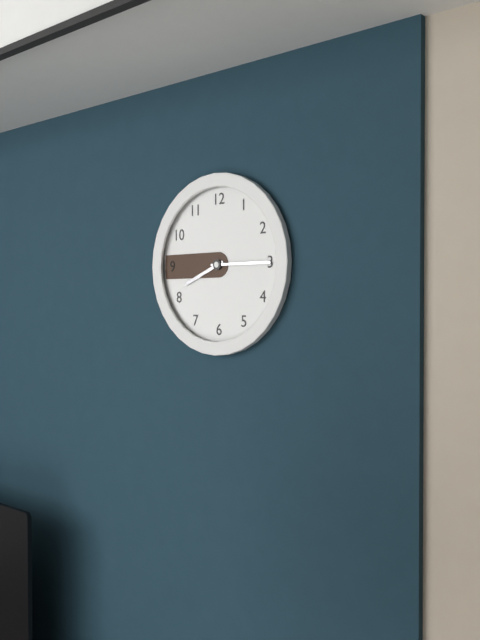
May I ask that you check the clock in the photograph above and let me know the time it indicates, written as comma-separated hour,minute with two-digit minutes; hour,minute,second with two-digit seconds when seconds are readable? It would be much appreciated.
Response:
8,15
